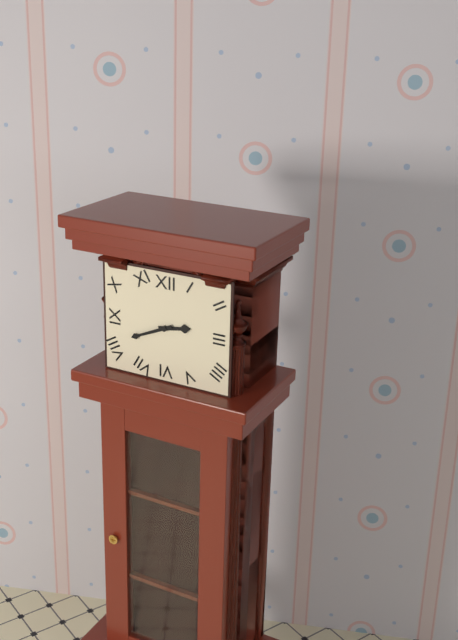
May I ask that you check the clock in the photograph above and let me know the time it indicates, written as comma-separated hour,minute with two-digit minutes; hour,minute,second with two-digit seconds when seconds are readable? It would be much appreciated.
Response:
2,41
